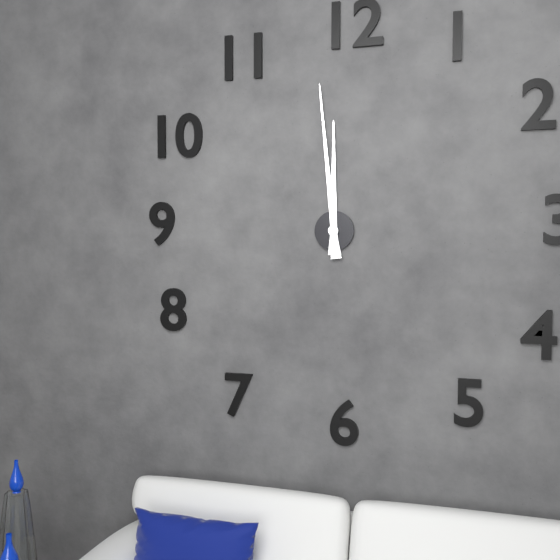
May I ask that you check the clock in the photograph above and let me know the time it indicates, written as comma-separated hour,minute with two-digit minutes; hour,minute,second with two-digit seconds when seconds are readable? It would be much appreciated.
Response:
11,59
